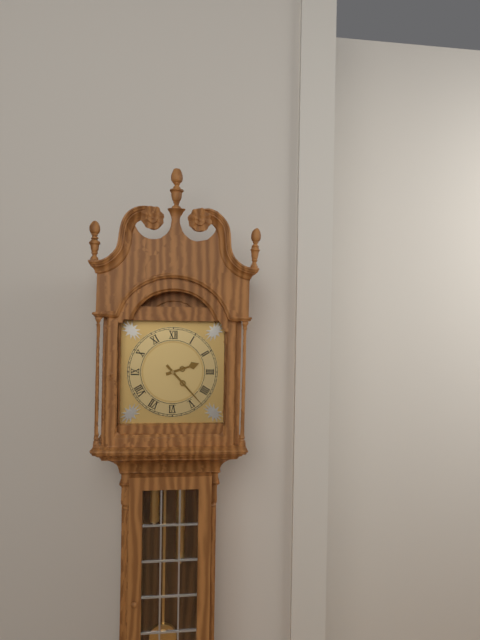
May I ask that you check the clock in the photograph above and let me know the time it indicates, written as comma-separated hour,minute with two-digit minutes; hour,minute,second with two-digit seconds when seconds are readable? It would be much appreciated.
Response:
2,23
